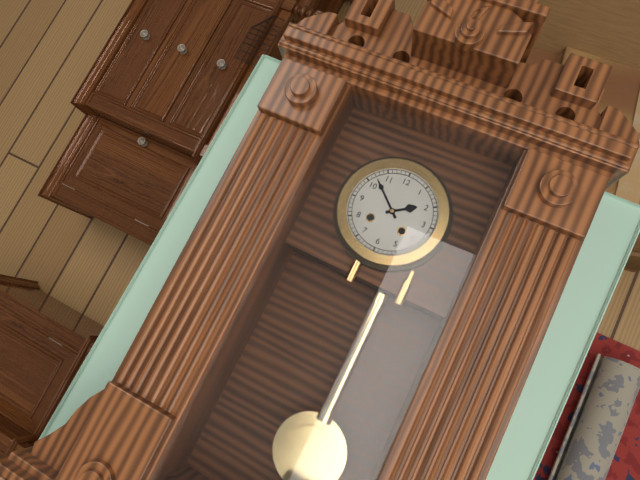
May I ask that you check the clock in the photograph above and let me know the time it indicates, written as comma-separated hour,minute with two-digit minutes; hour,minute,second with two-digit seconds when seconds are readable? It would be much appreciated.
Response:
1,52
